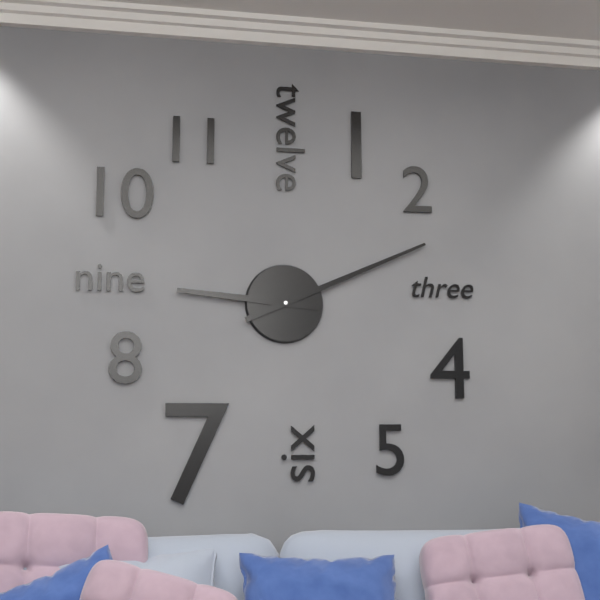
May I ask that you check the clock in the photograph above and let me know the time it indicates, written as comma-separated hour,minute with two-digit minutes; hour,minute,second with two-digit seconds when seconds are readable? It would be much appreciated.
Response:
9,11
